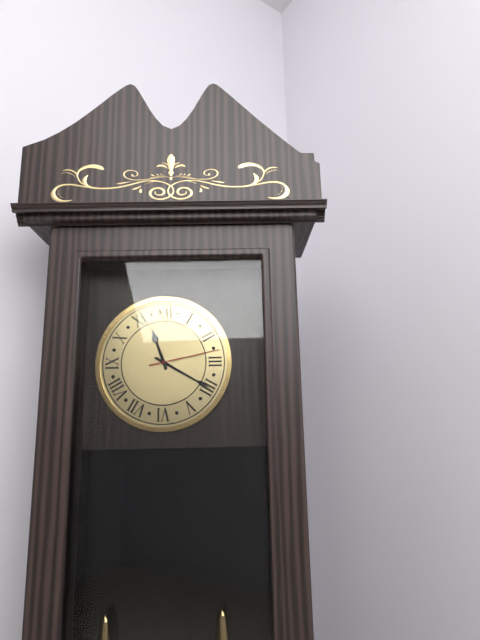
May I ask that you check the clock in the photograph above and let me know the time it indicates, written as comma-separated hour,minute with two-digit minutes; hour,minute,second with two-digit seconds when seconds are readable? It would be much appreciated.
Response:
11,20,13
